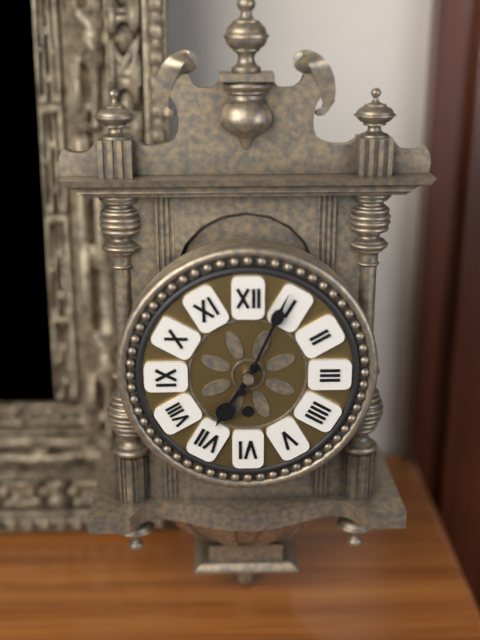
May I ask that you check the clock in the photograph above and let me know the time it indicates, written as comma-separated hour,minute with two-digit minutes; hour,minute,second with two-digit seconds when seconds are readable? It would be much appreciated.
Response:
7,04
